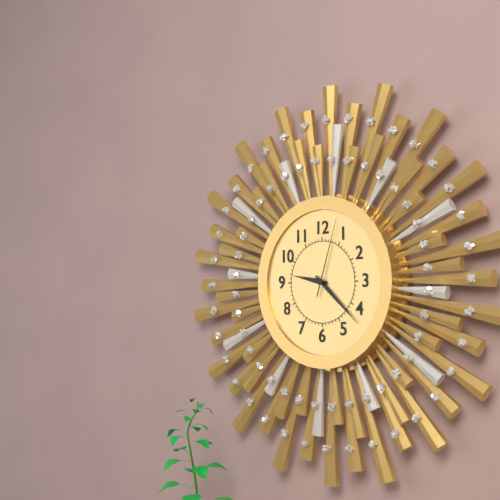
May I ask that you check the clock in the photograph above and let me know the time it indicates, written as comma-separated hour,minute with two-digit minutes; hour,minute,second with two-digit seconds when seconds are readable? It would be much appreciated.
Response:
9,22,03
